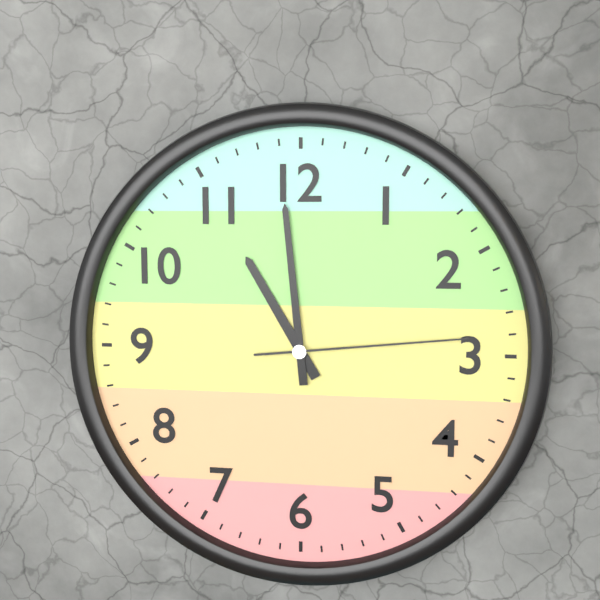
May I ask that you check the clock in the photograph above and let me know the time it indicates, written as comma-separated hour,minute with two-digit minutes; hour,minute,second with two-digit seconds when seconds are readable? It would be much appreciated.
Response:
10,59,14
